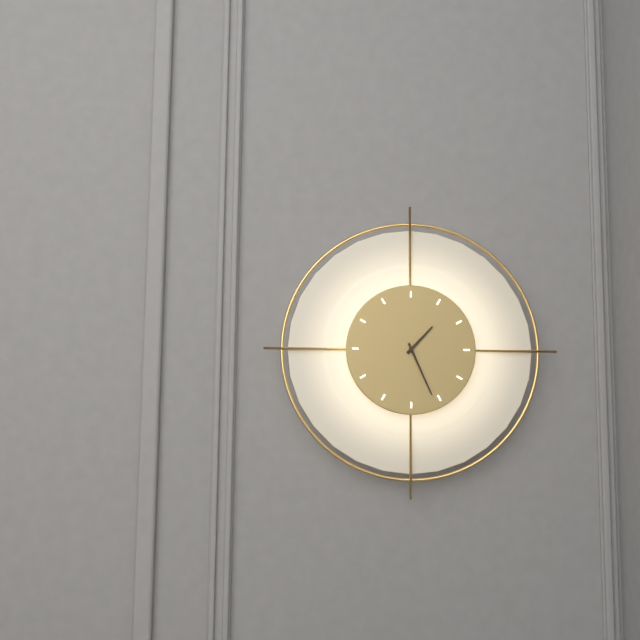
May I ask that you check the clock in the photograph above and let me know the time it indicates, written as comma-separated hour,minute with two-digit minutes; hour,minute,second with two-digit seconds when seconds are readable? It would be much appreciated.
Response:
1,26
